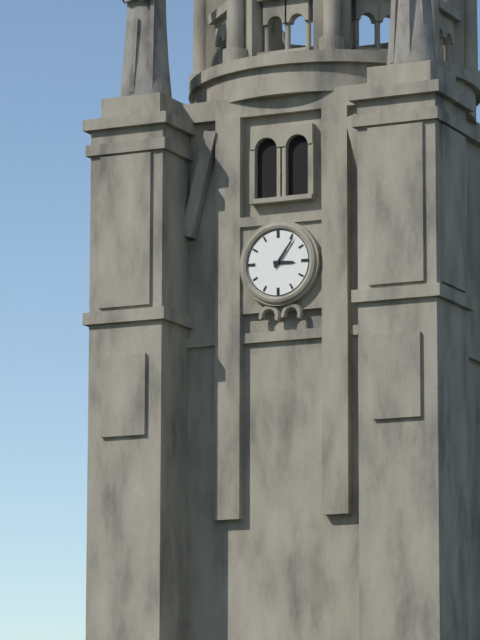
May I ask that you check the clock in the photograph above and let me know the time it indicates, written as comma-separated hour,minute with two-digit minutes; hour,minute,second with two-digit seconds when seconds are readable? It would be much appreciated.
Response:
3,06
